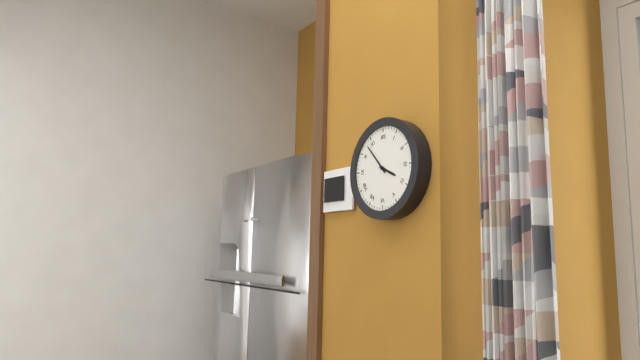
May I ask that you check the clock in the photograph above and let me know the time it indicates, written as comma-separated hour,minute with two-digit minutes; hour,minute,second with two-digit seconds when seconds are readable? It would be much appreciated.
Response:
3,53
